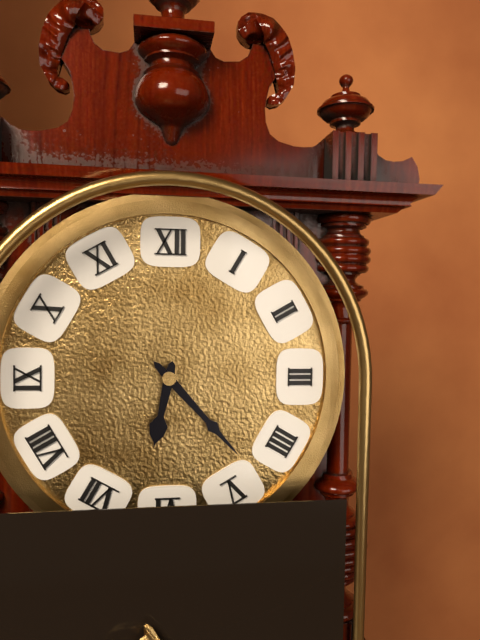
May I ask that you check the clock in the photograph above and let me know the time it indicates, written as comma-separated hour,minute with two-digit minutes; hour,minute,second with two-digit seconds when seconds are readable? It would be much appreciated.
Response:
6,23
